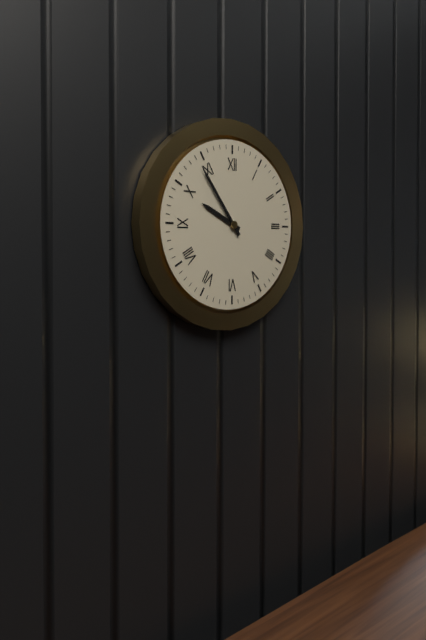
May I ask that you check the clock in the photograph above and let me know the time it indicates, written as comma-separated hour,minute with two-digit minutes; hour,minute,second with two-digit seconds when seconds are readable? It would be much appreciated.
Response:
9,54
